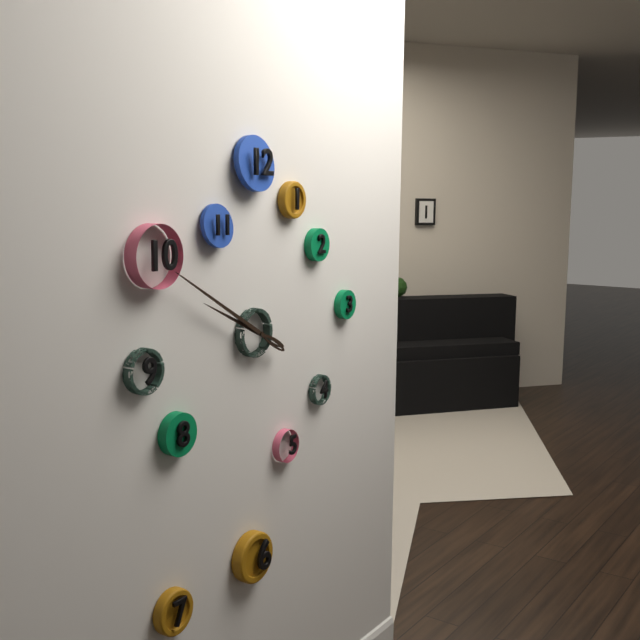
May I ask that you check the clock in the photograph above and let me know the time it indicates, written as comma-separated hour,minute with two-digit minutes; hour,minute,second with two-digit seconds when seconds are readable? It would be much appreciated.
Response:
9,50
